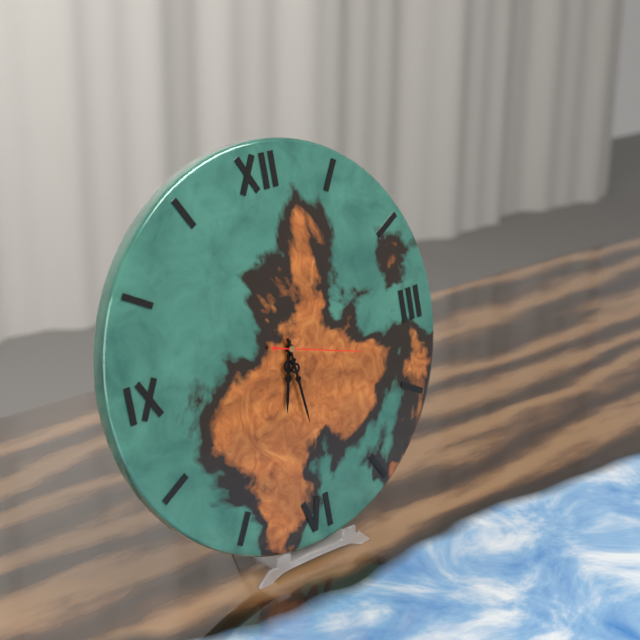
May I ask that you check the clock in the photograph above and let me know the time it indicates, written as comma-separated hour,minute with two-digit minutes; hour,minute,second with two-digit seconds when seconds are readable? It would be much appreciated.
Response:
6,29,18
